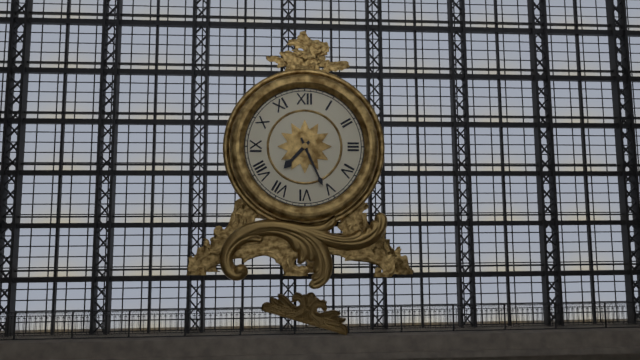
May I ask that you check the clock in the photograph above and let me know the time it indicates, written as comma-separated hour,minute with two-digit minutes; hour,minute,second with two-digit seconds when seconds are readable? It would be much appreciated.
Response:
7,26
